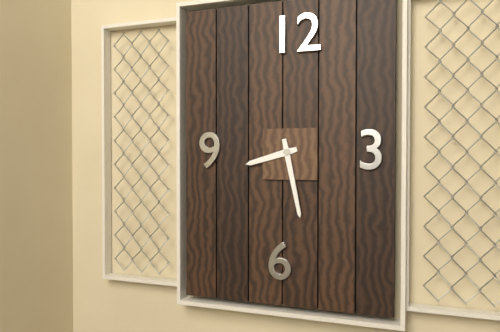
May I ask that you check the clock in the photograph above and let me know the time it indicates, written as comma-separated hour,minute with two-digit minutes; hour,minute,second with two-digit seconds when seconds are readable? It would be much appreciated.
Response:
8,28
